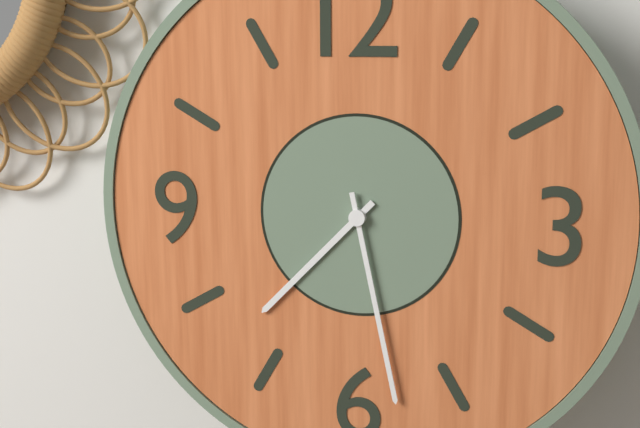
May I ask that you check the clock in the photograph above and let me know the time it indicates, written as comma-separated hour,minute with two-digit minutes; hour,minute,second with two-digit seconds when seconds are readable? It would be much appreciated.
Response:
7,28
